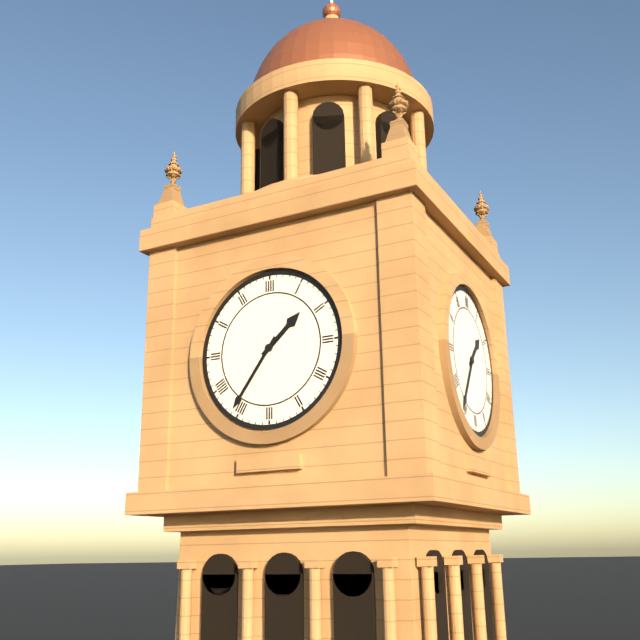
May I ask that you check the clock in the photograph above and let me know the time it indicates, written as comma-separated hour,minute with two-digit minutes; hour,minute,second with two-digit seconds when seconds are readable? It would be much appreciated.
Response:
1,36
